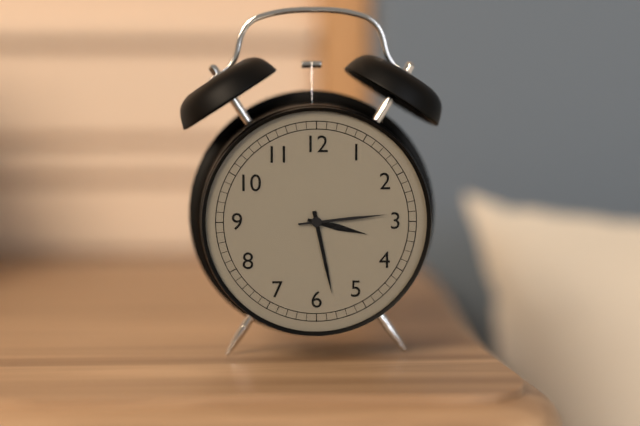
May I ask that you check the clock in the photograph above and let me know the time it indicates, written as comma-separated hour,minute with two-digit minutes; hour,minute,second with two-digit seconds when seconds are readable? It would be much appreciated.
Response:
3,28,14
